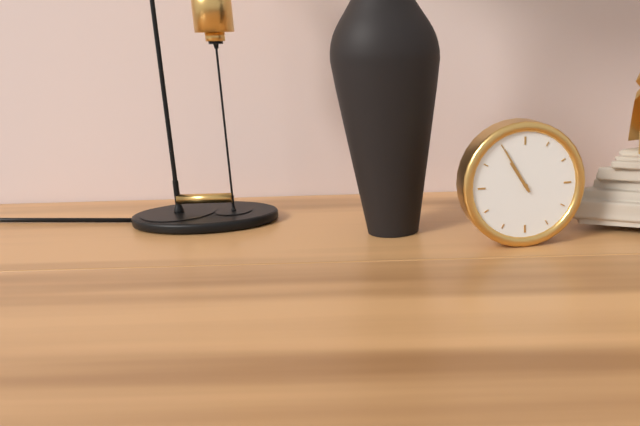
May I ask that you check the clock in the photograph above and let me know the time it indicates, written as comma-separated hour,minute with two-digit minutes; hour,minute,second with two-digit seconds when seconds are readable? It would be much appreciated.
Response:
10,55
